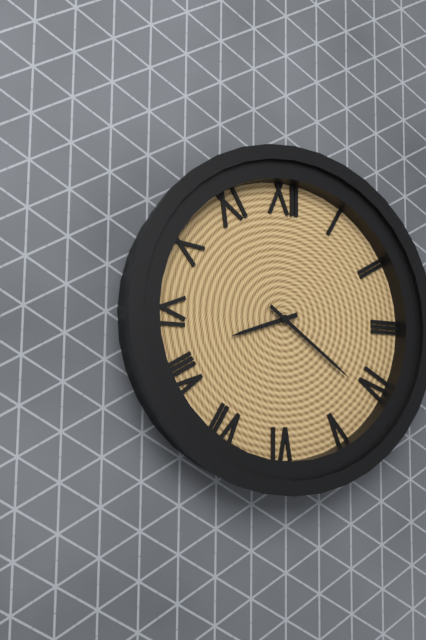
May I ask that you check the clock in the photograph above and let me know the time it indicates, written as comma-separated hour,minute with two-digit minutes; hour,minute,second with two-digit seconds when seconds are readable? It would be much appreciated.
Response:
8,21
